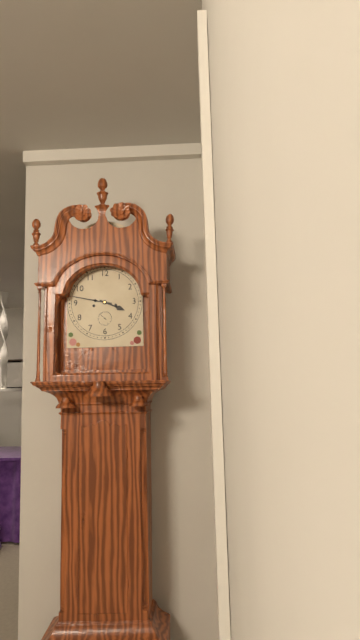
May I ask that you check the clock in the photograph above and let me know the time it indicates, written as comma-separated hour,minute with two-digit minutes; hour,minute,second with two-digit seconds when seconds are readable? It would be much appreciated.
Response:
3,47
